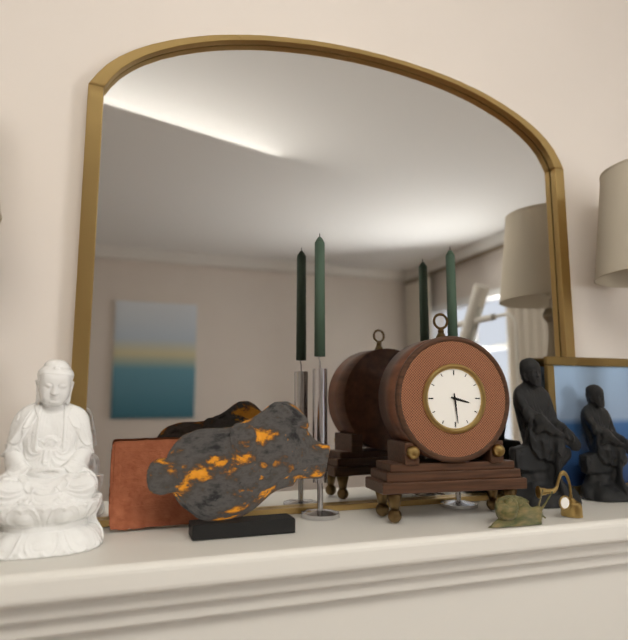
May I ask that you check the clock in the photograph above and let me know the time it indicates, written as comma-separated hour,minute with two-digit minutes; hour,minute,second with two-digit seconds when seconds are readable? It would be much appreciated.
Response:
3,29
